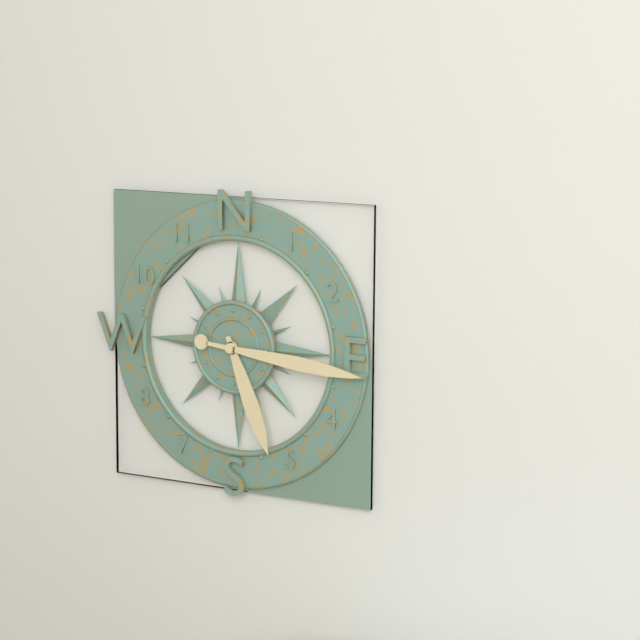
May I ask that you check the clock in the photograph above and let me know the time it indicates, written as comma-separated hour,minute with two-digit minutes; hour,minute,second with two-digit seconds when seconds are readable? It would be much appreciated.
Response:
5,16
